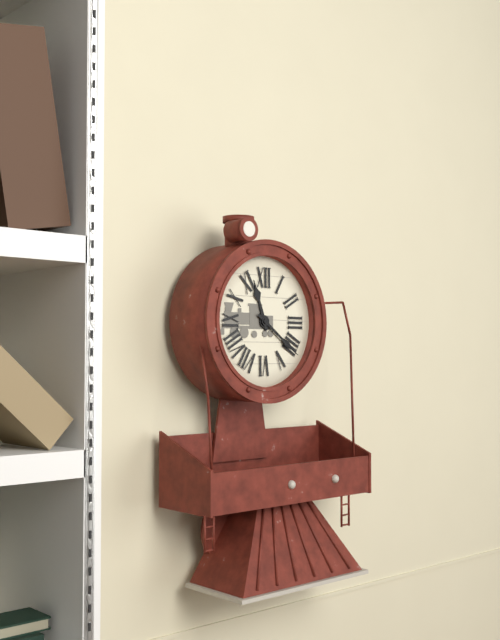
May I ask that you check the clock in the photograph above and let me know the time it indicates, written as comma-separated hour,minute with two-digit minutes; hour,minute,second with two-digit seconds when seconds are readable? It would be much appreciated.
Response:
11,21
